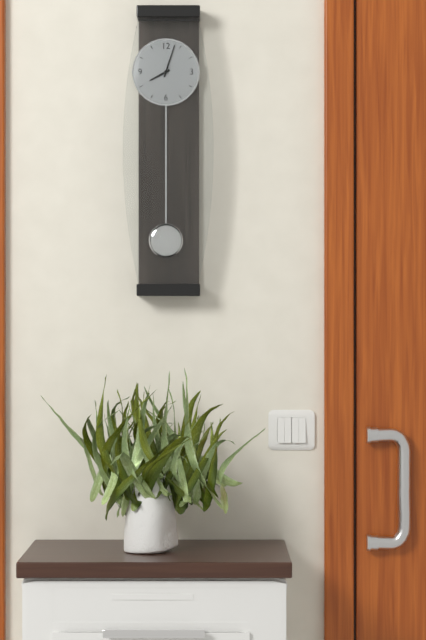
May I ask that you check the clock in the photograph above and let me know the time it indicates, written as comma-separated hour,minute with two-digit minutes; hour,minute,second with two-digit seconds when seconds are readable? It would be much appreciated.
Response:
8,03
